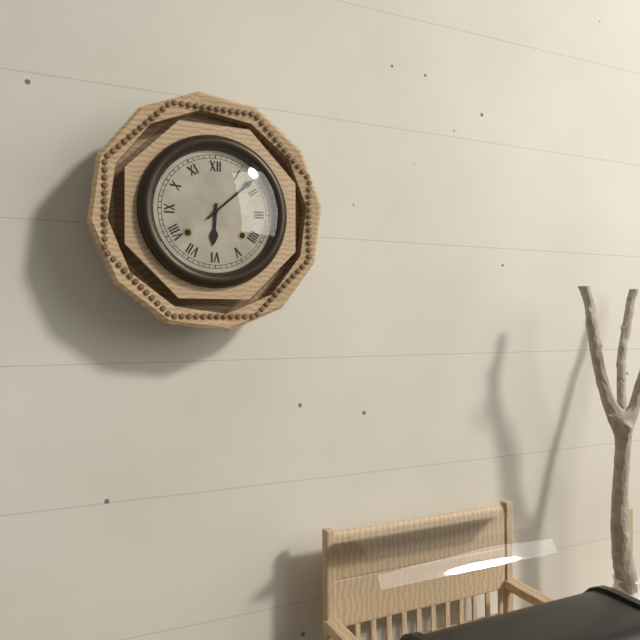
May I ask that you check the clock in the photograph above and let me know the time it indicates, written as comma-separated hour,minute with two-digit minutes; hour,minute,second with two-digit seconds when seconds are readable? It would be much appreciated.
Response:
6,08
